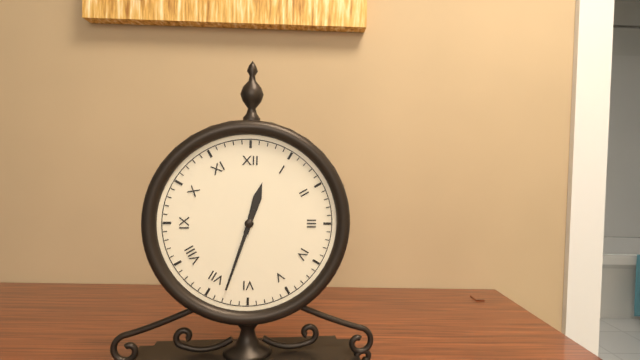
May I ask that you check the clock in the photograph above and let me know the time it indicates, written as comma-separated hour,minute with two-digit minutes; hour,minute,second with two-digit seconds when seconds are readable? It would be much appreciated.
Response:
12,33
